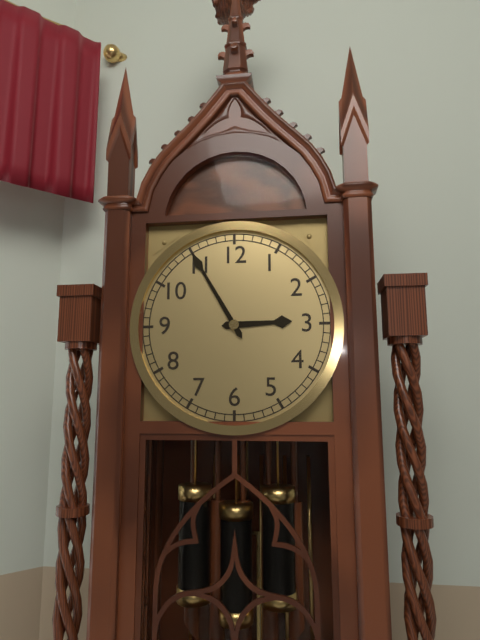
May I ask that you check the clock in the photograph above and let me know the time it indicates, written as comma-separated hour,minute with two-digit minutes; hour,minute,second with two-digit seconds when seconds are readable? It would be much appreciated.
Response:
2,55
